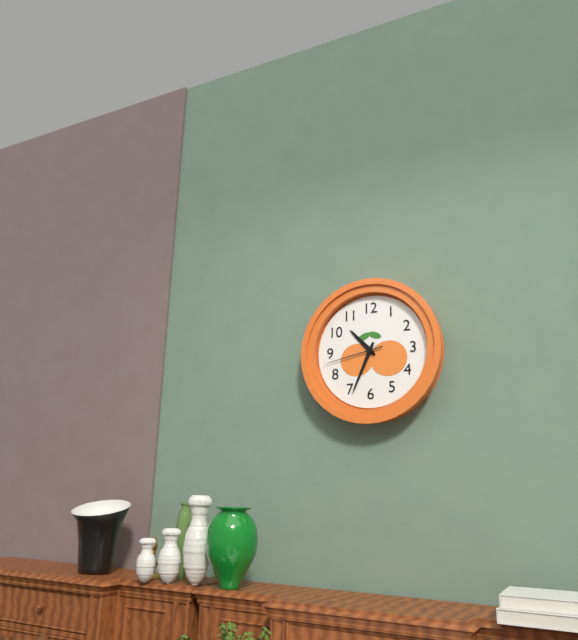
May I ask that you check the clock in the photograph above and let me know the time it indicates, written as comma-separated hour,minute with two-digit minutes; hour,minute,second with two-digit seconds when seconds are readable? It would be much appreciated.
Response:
10,34,43
